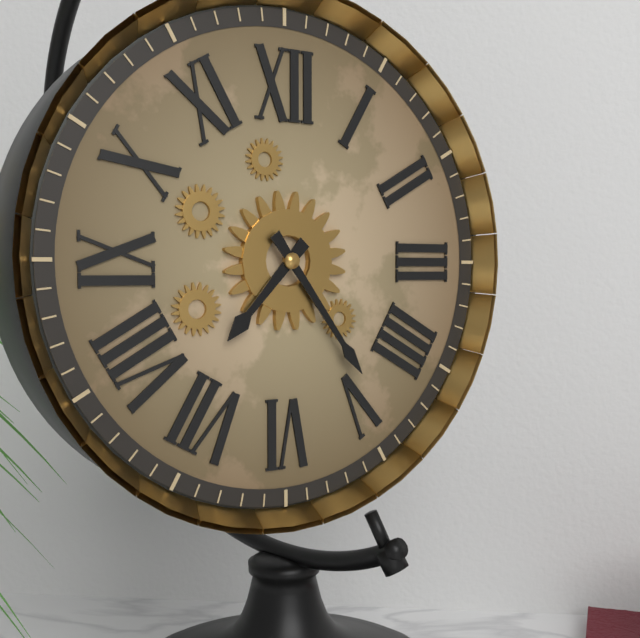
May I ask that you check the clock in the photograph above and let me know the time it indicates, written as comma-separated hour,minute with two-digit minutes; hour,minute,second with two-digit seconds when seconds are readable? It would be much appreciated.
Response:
7,24
